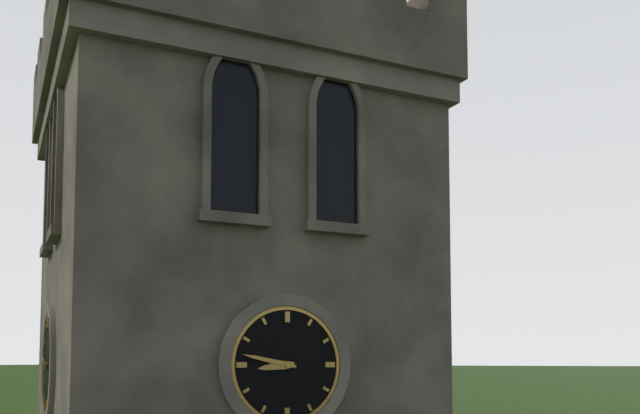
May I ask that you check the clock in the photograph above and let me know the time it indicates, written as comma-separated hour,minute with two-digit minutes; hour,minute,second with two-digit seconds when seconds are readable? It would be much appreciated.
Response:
8,47
